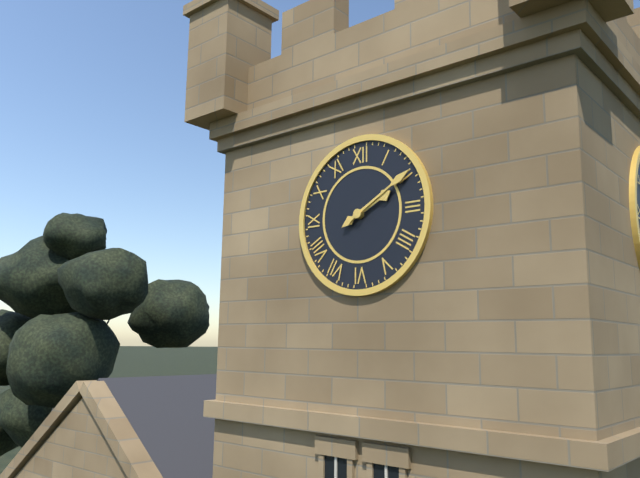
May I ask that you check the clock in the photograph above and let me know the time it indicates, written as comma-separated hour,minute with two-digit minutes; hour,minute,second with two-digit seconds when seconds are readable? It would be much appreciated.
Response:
2,10
